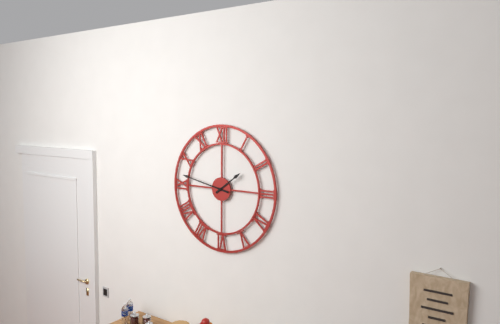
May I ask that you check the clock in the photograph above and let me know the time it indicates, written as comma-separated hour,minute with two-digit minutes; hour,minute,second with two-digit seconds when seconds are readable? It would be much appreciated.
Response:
1,47
